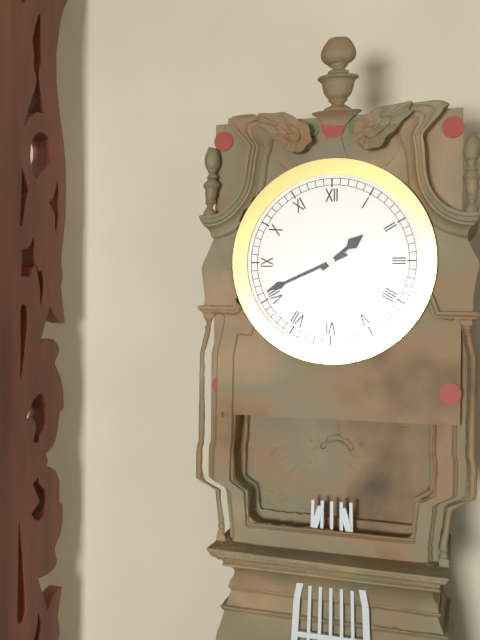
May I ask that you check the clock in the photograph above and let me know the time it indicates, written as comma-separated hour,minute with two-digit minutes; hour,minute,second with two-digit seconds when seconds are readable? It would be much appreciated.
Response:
1,41
